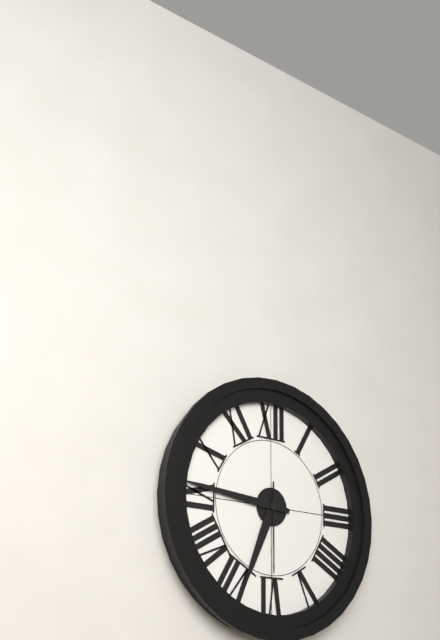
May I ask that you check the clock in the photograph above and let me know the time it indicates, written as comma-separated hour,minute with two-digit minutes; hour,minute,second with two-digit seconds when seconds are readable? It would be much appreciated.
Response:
6,46,30
